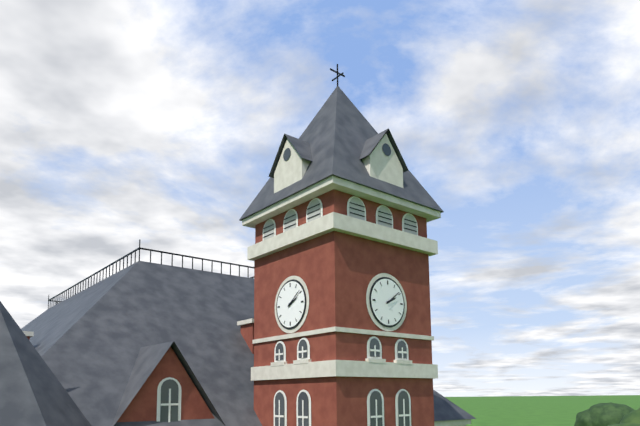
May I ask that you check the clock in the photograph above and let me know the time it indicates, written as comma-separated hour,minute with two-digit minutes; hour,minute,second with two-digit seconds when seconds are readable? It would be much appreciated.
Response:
2,09
